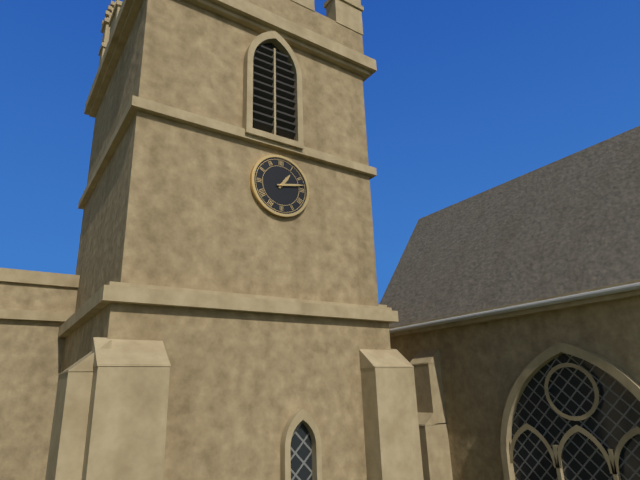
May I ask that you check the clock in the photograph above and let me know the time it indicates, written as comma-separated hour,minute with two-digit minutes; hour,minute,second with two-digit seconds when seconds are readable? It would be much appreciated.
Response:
1,13
